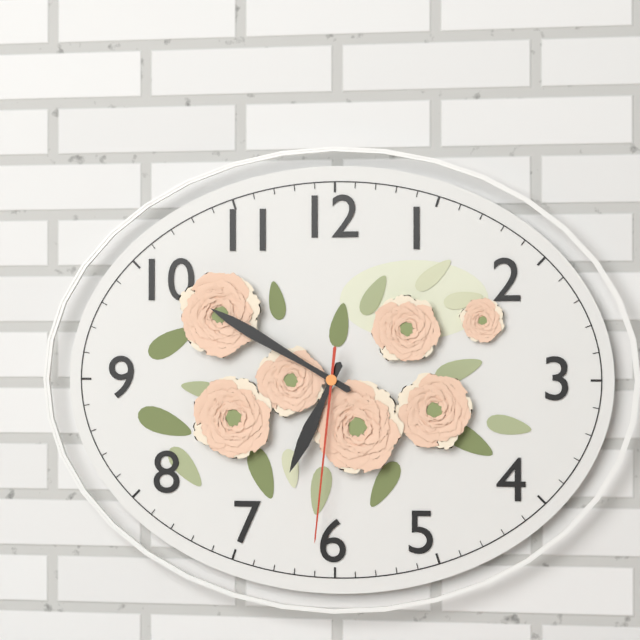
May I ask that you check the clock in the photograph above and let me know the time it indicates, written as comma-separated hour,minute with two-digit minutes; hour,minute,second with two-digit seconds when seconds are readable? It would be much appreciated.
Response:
6,50,31
